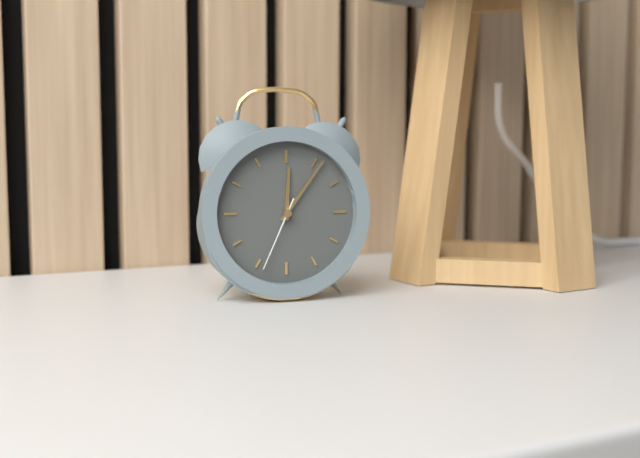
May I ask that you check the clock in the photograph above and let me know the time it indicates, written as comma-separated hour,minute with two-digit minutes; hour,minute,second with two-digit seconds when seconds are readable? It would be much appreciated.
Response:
12,06,34
